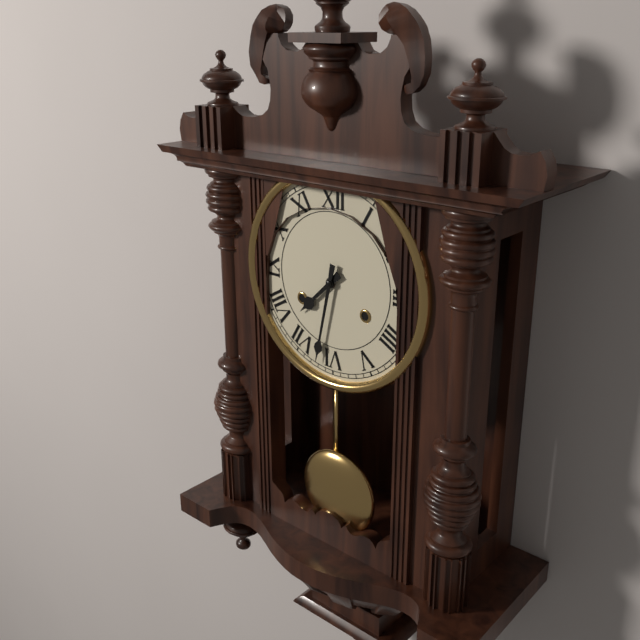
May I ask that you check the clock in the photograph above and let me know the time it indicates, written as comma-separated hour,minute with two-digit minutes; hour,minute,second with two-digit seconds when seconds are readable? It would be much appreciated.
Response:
7,32
